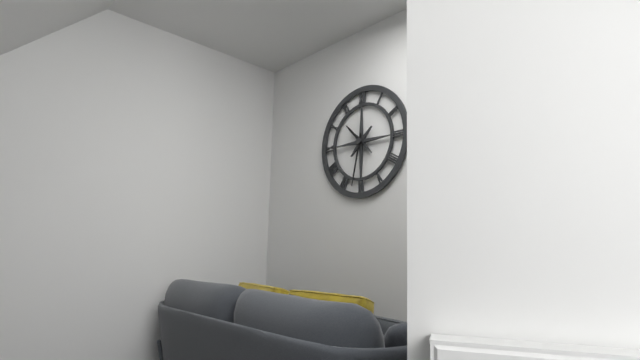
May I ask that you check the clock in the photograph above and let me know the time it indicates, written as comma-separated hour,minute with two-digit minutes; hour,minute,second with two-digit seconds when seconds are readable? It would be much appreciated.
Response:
10,32
